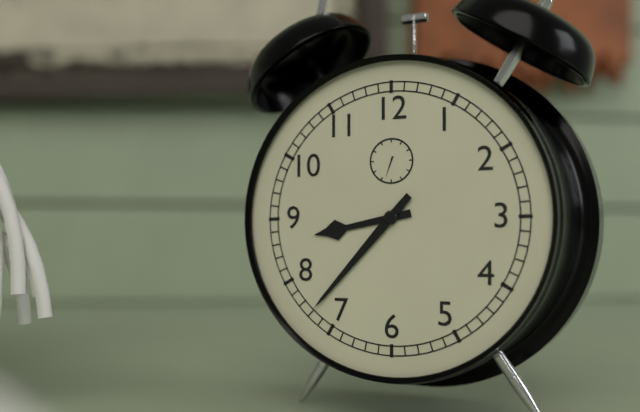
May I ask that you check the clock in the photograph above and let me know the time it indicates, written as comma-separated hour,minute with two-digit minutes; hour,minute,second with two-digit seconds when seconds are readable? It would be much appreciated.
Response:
8,37
